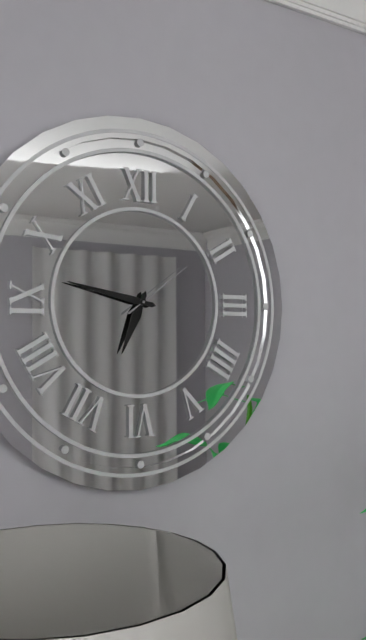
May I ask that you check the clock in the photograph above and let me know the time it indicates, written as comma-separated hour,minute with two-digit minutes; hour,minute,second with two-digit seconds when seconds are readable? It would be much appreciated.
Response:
6,47,09
